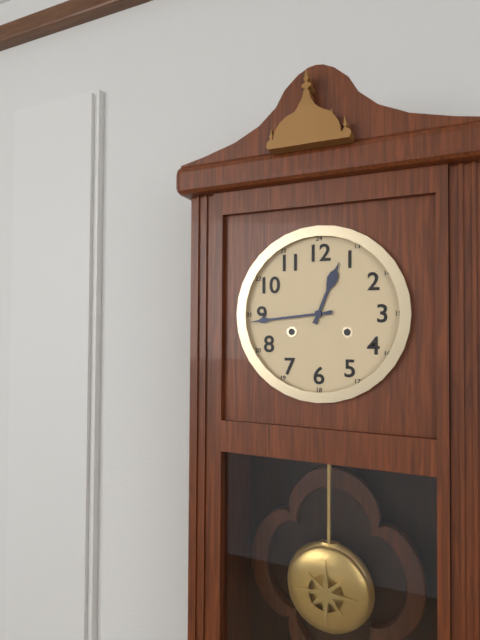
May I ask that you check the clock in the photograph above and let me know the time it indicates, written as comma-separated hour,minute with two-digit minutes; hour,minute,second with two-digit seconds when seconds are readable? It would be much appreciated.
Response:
12,44
